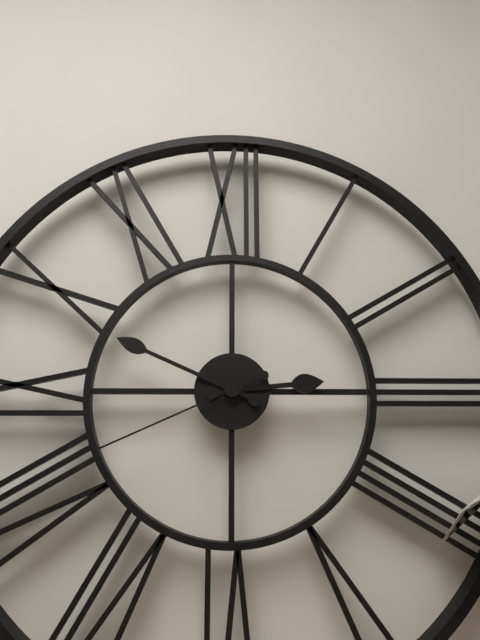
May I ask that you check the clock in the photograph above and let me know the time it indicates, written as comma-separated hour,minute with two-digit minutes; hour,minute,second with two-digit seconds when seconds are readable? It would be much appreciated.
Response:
2,49,41
